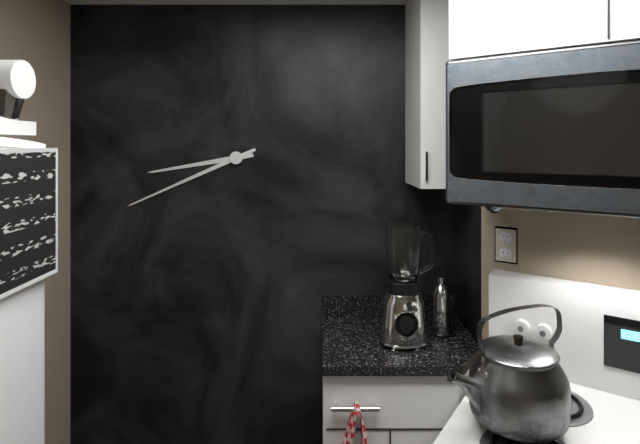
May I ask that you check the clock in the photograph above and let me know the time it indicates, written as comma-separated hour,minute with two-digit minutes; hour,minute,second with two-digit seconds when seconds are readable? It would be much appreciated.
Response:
8,41
